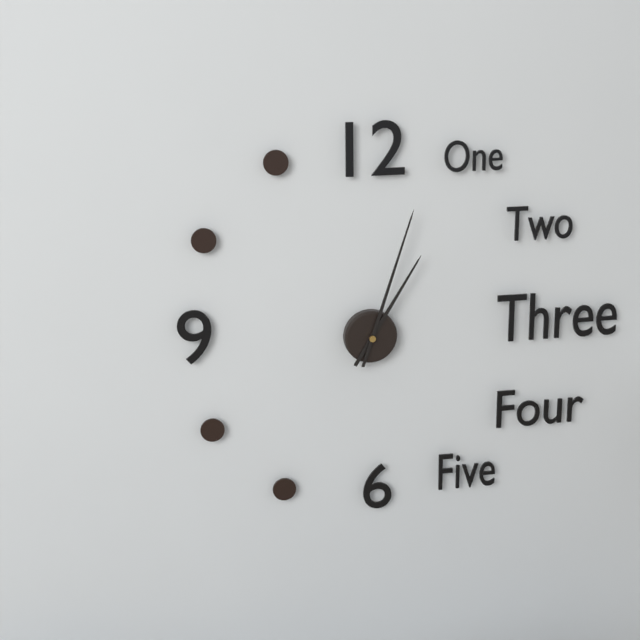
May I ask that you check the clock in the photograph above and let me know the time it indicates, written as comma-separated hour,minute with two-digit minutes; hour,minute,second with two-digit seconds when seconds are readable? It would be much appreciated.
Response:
1,03
